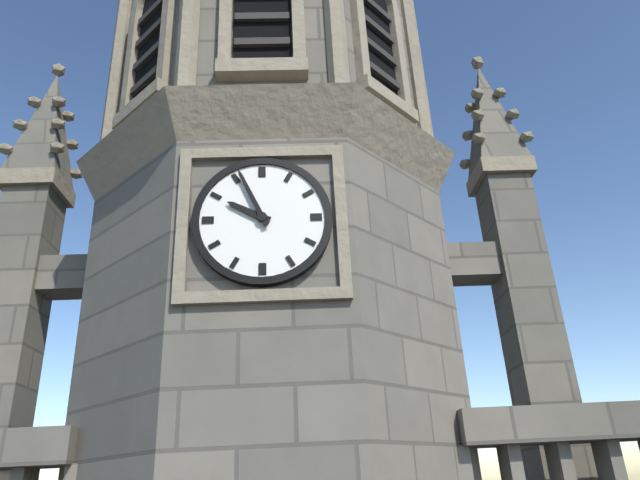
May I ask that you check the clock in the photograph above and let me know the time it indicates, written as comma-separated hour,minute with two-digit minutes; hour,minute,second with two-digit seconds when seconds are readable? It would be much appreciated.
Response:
9,56
